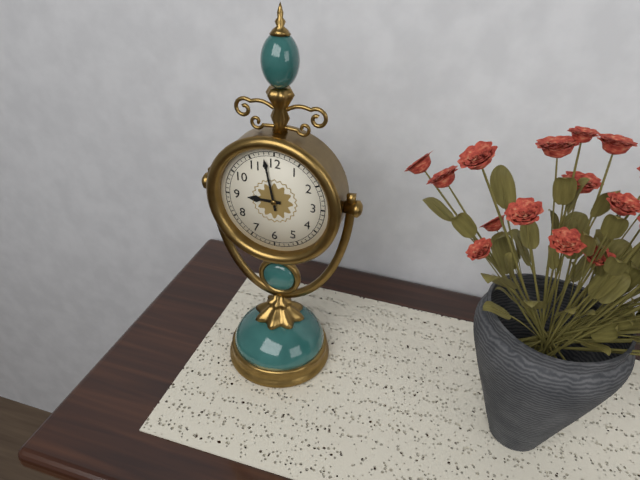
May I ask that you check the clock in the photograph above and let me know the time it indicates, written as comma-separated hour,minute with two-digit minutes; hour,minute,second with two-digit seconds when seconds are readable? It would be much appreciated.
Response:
8,58
